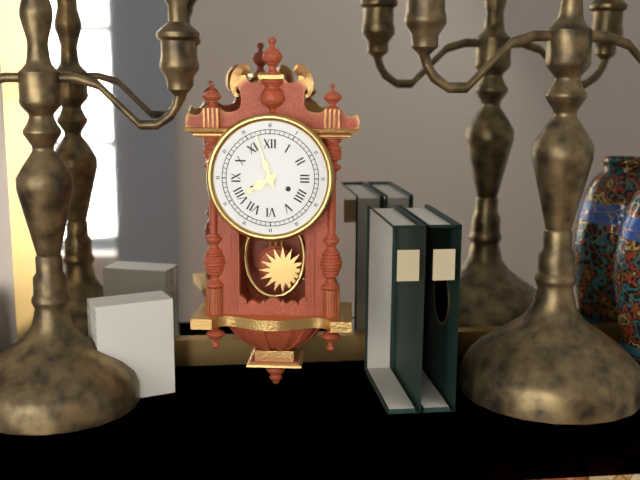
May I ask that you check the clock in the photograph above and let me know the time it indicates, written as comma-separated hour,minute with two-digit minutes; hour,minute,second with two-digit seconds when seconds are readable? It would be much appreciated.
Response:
7,57
